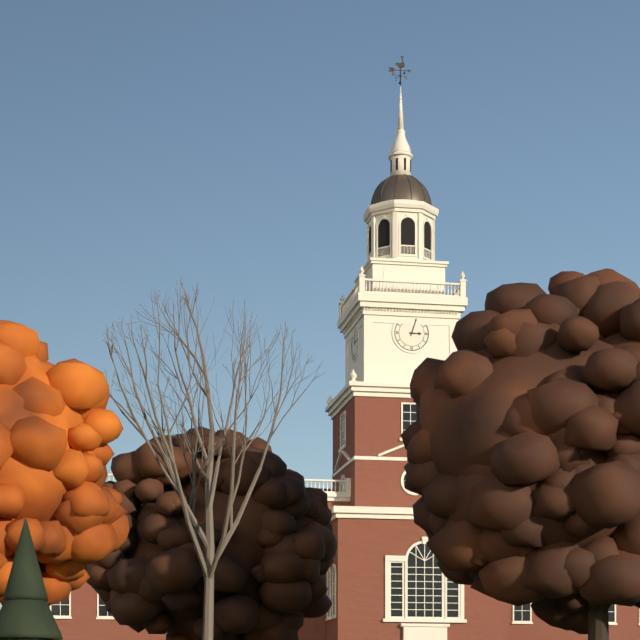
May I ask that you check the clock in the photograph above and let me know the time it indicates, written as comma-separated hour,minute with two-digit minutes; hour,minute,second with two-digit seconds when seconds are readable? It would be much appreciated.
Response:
3,03
